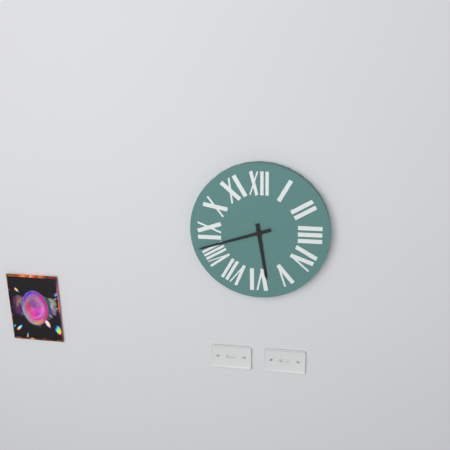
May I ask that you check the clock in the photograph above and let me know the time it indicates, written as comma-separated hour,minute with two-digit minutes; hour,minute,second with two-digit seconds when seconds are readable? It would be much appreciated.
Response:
5,42
